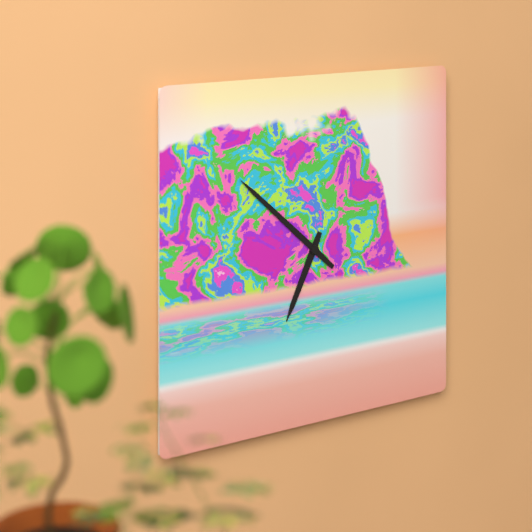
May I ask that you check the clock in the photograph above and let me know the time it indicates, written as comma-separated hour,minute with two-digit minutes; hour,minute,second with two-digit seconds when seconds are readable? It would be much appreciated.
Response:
6,52
